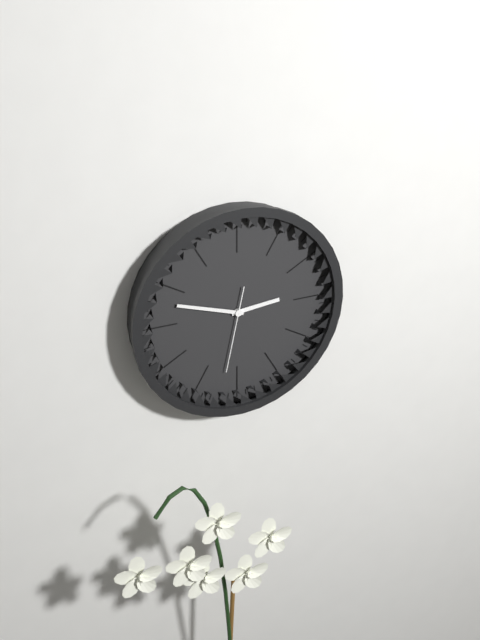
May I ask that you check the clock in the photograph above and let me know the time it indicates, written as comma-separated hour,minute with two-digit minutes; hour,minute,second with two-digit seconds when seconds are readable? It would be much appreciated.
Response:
2,48,32
